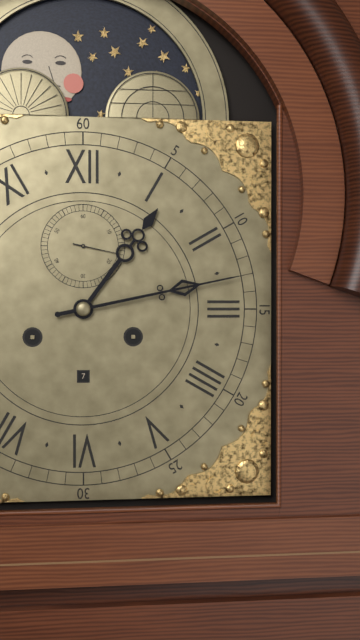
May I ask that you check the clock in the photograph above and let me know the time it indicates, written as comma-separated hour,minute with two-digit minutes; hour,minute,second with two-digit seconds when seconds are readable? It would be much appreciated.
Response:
1,13
